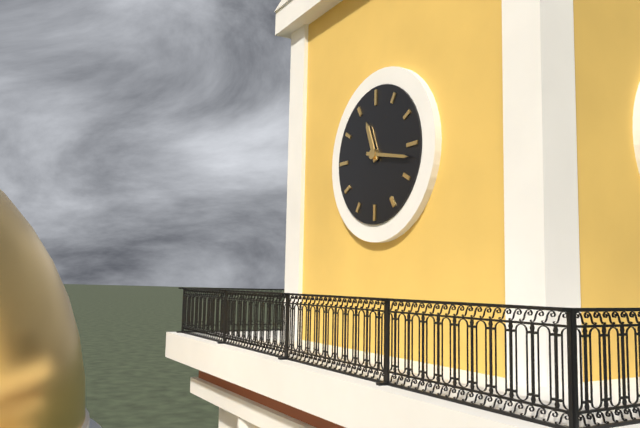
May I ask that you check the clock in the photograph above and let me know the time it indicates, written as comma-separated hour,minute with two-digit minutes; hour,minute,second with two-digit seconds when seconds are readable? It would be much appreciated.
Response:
11,17
